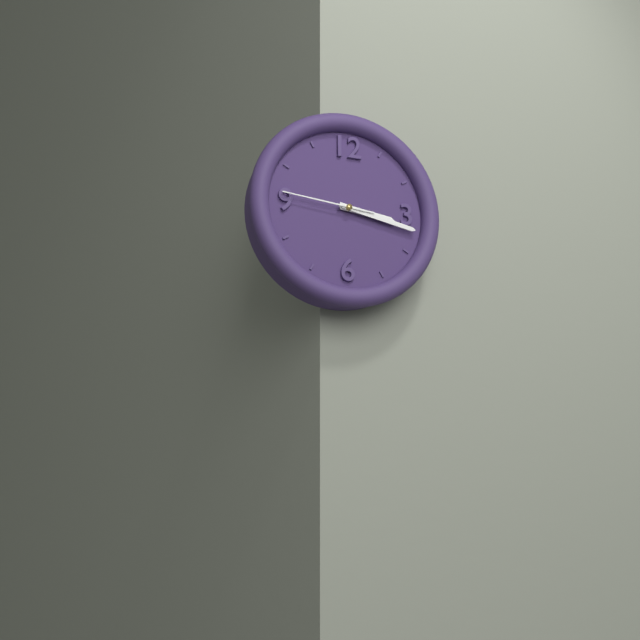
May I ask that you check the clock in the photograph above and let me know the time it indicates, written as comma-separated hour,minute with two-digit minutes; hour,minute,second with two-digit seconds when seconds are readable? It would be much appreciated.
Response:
3,17,46
